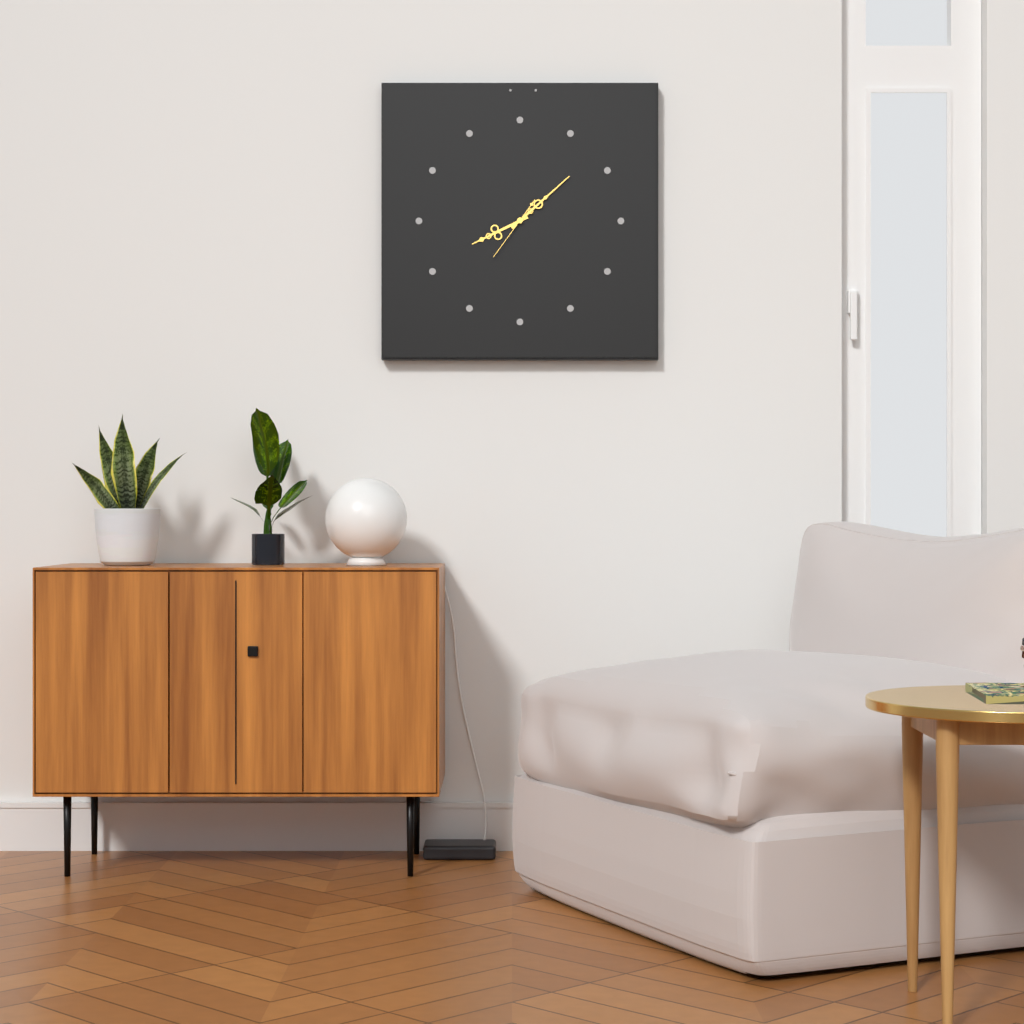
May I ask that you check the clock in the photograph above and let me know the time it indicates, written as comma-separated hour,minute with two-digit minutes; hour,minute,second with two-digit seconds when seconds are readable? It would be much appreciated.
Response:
8,08,36
